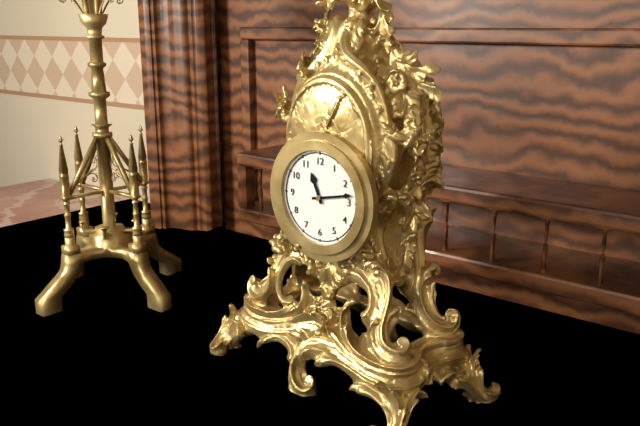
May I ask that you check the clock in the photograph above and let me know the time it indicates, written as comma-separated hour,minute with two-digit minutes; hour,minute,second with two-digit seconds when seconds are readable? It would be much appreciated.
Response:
11,13
